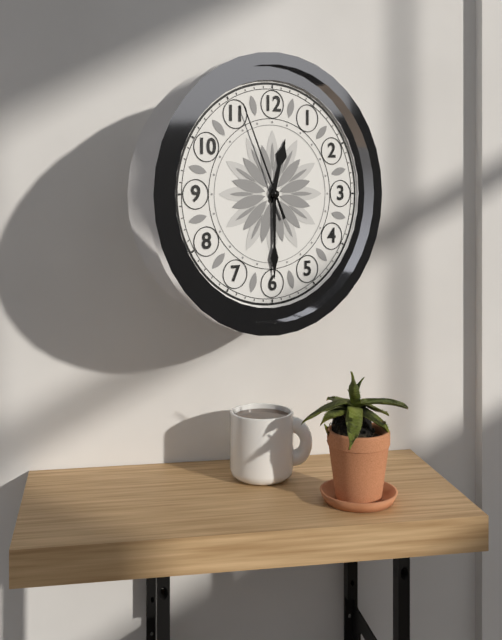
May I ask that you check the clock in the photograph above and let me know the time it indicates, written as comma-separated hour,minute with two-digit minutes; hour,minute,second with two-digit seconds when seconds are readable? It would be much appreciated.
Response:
12,30,56
